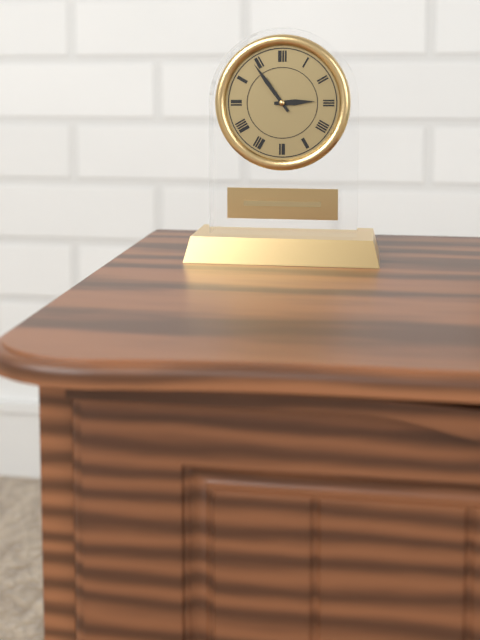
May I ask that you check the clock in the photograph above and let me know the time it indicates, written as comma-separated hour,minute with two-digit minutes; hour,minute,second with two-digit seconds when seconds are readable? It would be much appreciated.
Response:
2,54
